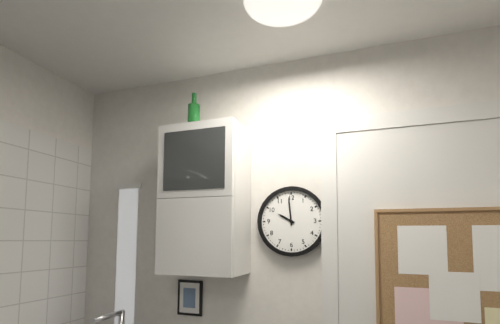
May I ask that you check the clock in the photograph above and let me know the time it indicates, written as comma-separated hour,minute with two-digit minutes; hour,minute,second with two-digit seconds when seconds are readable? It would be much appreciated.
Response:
9,59
